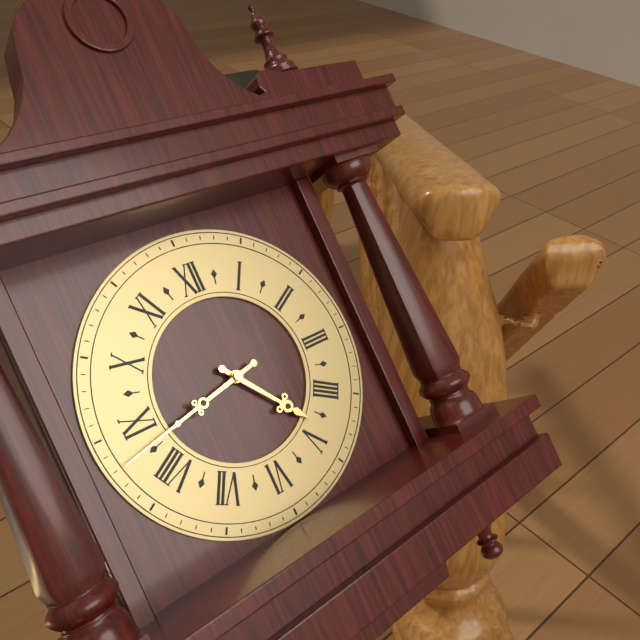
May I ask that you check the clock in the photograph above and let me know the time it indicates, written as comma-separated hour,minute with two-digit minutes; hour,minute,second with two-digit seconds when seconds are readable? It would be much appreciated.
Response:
4,43
